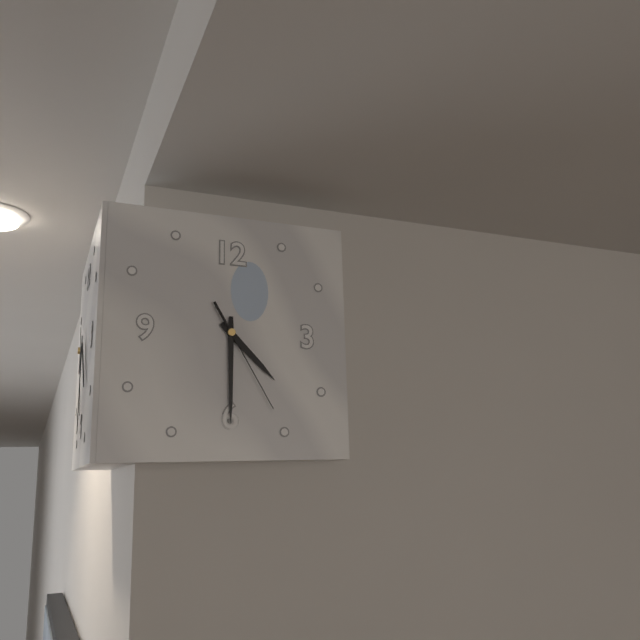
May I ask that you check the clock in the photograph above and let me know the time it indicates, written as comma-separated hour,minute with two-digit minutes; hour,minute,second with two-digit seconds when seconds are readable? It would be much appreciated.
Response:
4,30,25
